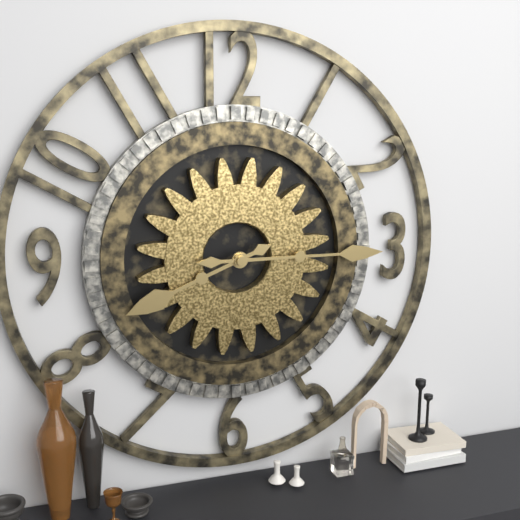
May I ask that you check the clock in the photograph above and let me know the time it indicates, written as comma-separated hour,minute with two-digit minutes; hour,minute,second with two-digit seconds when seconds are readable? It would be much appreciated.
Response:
8,15
